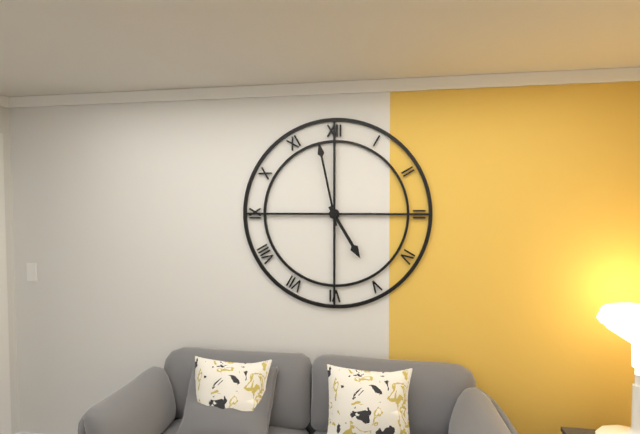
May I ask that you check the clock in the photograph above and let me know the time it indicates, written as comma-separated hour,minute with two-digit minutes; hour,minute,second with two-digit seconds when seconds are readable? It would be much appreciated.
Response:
4,58
